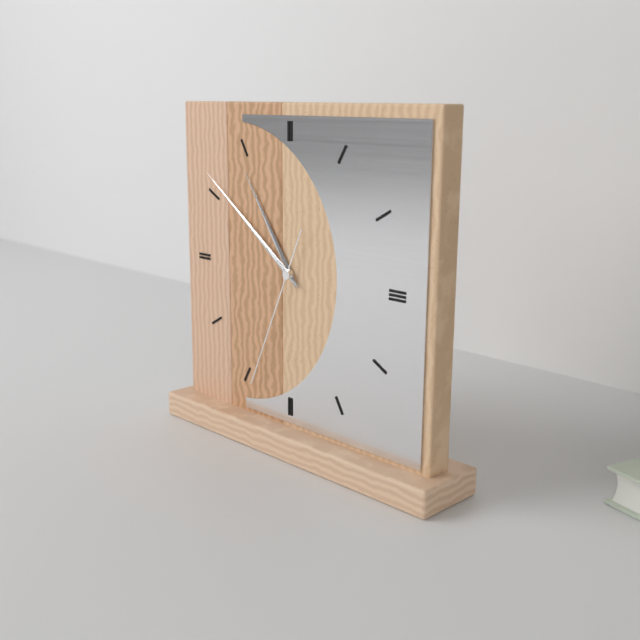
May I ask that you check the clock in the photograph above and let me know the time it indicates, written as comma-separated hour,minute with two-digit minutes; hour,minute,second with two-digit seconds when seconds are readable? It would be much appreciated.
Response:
10,51,34
